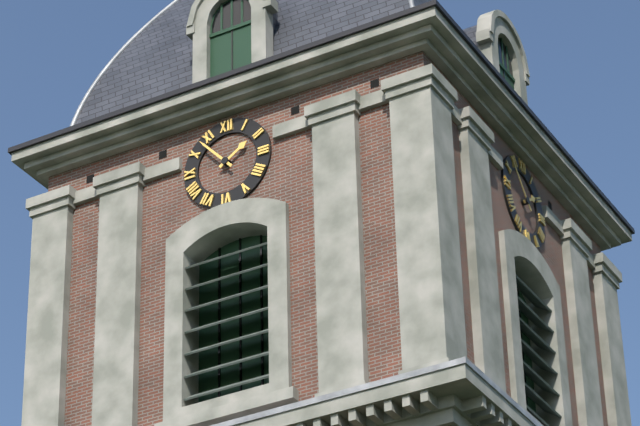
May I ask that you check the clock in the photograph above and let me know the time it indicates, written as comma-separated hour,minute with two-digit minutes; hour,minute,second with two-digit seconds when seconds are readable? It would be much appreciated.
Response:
1,53
